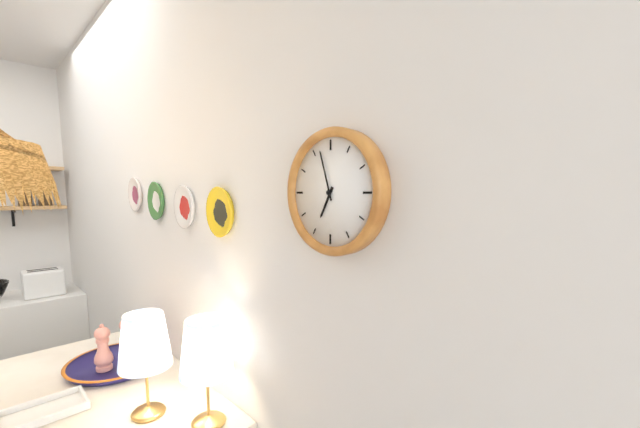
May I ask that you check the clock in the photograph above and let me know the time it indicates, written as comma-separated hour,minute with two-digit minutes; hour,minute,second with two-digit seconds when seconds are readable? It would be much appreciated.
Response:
6,57
